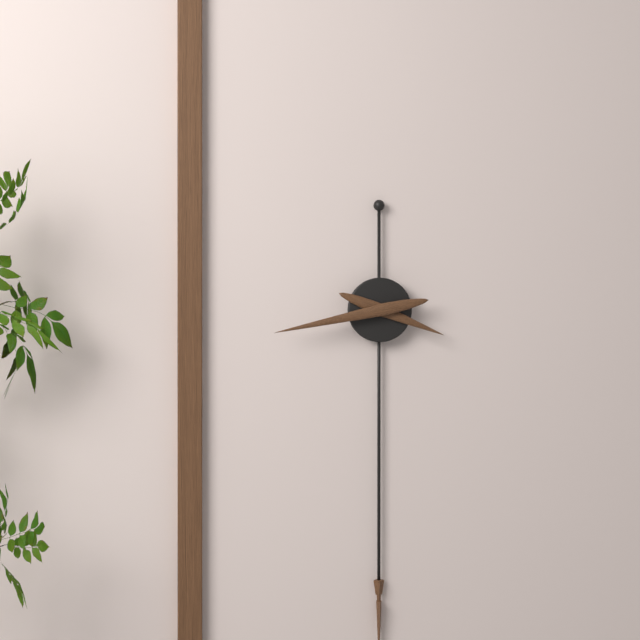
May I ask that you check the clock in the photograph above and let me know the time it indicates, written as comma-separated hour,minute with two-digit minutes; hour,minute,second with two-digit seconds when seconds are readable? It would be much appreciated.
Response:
3,43
